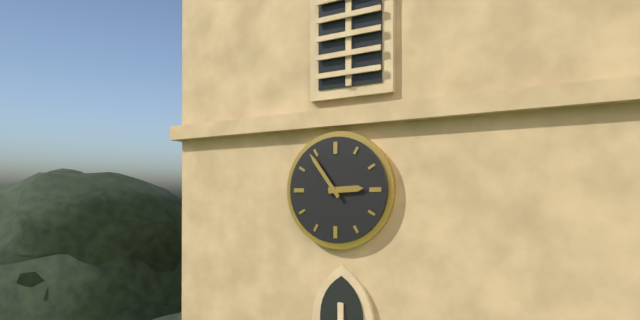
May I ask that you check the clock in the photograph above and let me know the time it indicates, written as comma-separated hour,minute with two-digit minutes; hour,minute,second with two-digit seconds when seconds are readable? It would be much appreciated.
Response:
2,54
